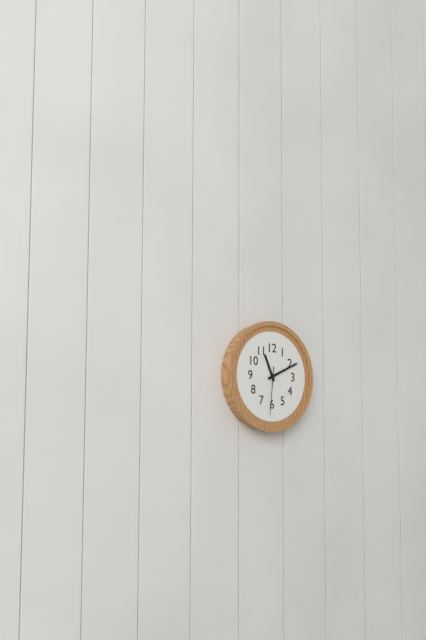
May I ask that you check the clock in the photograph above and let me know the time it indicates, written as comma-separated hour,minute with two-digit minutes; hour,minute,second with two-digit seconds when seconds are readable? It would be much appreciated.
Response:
11,11
